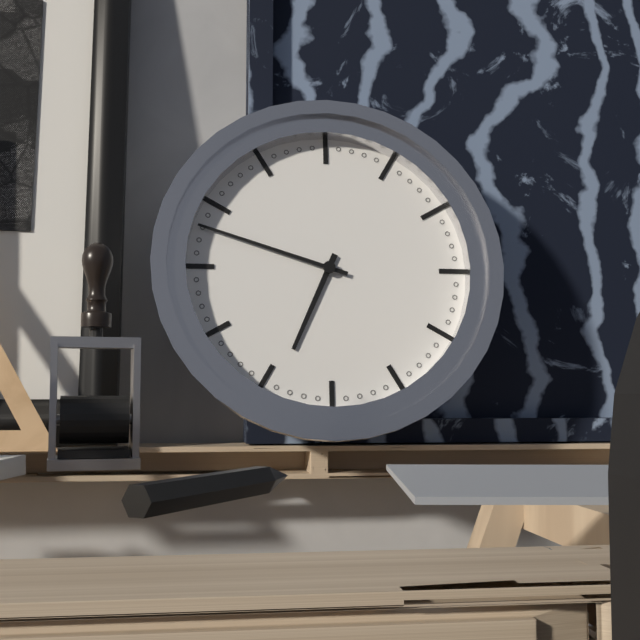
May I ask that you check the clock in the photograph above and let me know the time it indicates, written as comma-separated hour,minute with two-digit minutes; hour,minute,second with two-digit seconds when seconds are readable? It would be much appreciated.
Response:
6,48
